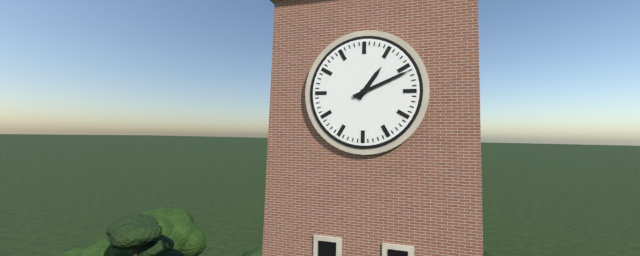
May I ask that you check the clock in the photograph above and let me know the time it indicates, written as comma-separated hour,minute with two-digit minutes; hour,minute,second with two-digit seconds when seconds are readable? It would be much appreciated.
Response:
1,11
